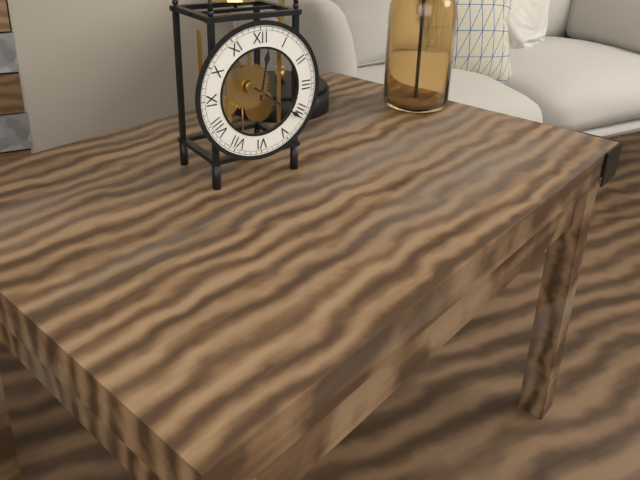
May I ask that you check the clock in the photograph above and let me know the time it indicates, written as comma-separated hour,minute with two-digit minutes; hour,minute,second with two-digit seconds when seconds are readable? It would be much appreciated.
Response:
12,21
